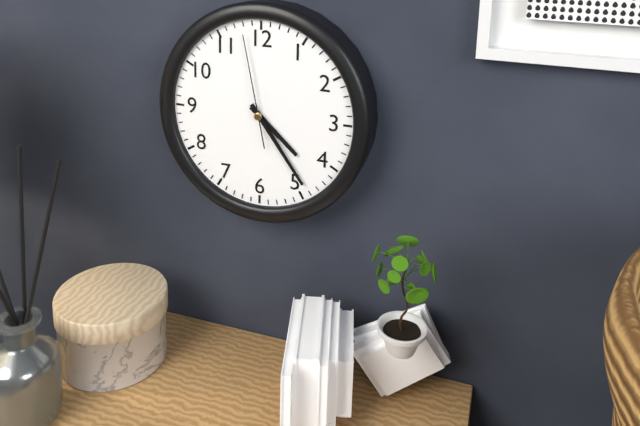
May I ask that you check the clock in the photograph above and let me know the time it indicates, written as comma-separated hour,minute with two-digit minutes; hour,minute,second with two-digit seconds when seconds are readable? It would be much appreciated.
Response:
4,24,58
